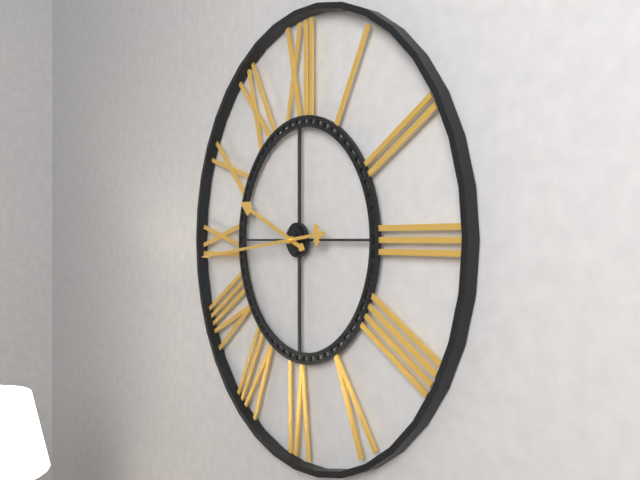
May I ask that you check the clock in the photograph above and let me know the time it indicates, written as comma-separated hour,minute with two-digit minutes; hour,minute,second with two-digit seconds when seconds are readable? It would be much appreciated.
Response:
9,44
